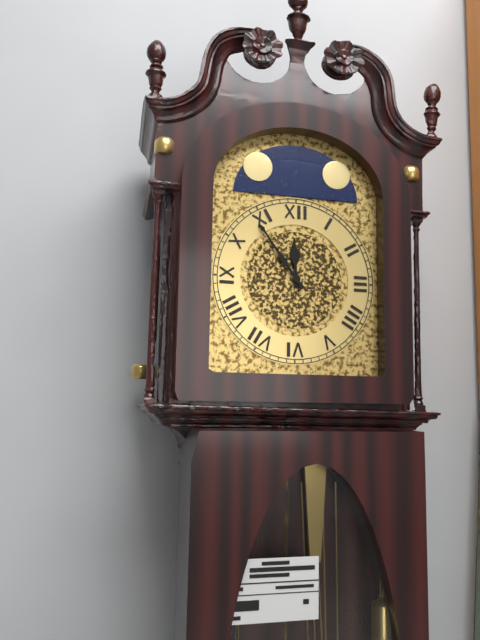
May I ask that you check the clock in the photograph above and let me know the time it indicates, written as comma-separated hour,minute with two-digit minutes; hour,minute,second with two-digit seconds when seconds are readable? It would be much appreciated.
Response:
11,54
